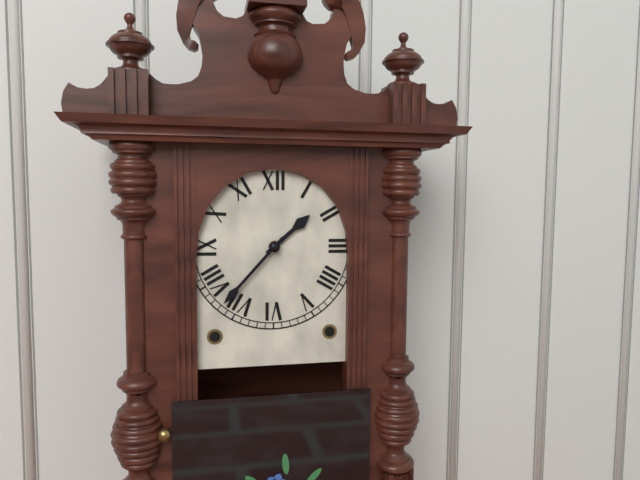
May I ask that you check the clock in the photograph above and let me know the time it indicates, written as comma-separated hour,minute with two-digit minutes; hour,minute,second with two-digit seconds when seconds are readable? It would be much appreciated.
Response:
1,37
